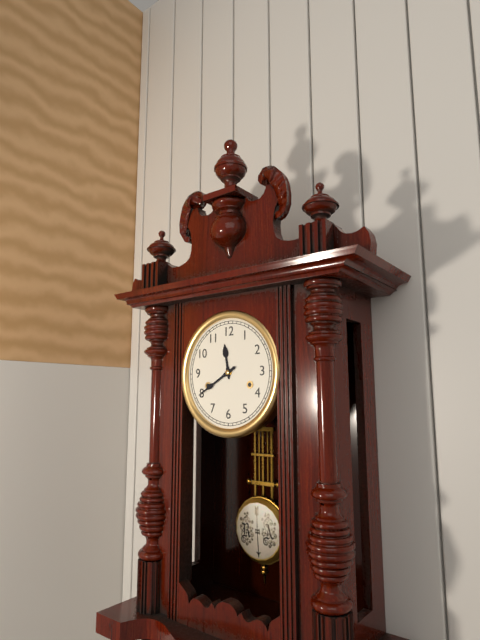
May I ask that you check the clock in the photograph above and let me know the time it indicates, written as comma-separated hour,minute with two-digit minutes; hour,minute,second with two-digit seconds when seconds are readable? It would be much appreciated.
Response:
11,40
